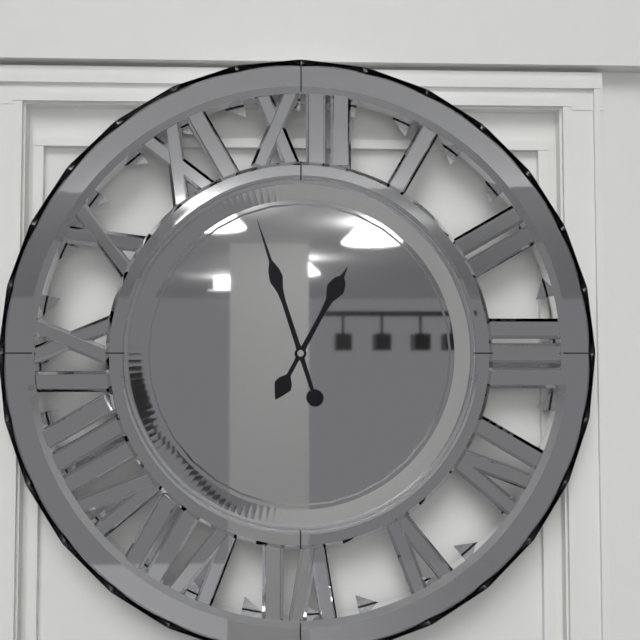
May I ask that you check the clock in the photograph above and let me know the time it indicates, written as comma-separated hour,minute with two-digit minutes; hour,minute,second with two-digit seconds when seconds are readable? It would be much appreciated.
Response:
12,57
